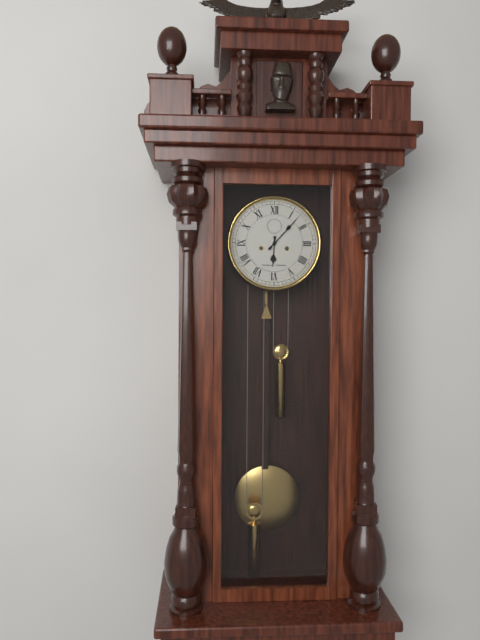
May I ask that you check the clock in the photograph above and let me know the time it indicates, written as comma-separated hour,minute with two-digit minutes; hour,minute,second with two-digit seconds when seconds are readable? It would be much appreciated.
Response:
6,07
